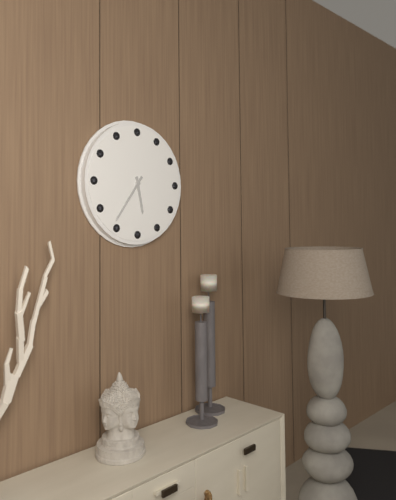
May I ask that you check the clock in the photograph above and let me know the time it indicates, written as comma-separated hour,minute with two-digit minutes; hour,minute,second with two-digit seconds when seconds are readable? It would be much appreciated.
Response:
5,36
